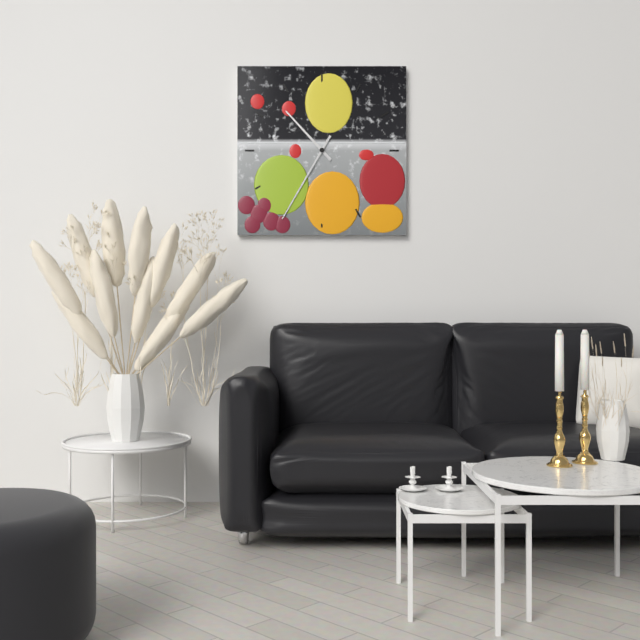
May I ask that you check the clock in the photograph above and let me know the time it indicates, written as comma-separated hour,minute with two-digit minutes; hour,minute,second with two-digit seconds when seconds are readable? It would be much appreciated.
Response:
10,35
